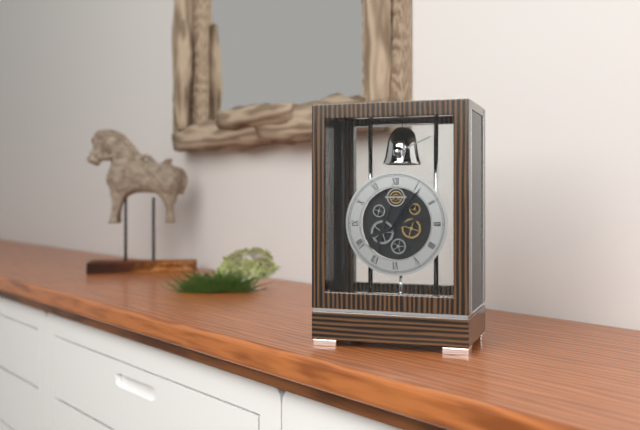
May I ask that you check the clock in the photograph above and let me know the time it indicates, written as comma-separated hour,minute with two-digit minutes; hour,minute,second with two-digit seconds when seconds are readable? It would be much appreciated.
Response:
1,06
